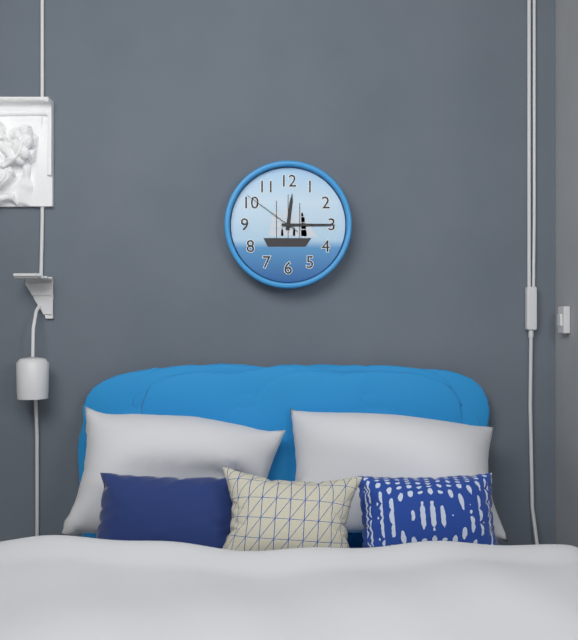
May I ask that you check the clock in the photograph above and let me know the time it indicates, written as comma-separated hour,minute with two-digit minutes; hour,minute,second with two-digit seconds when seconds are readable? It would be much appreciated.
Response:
12,15,51
